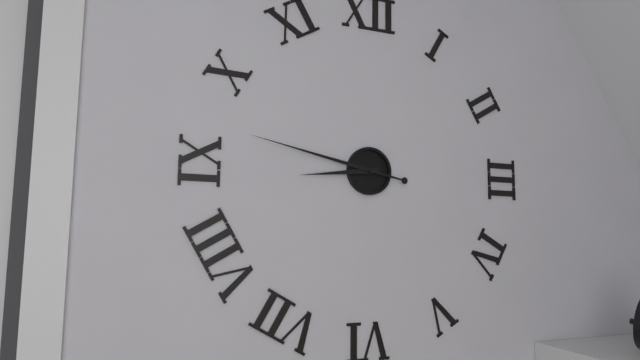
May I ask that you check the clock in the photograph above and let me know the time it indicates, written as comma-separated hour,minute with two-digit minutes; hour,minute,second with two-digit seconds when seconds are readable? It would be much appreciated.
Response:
8,47
